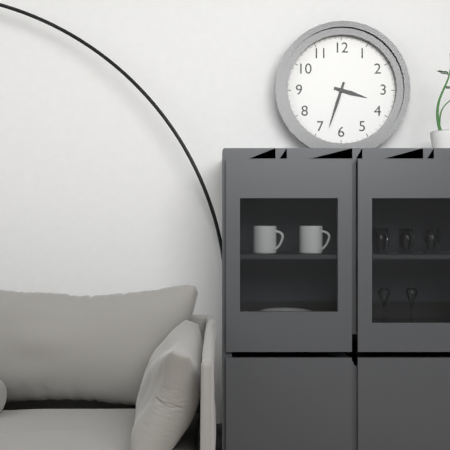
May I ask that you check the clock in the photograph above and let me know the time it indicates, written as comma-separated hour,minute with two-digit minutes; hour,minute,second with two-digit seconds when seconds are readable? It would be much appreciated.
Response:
3,33
